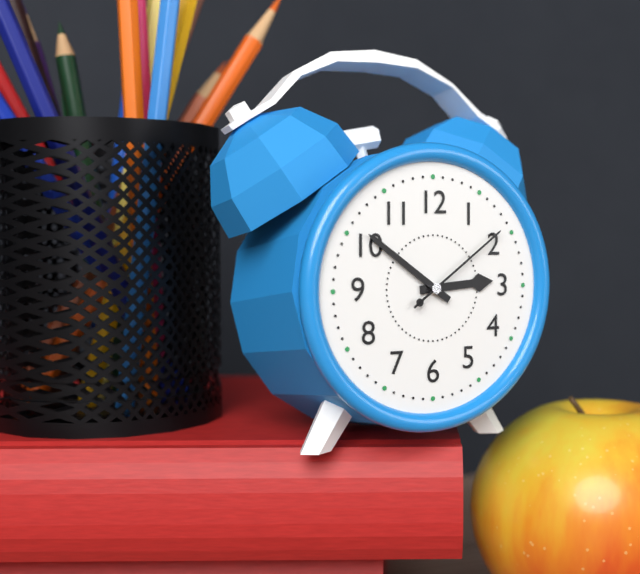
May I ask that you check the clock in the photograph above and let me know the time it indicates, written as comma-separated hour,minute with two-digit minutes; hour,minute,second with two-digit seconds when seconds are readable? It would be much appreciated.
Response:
2,51,09
